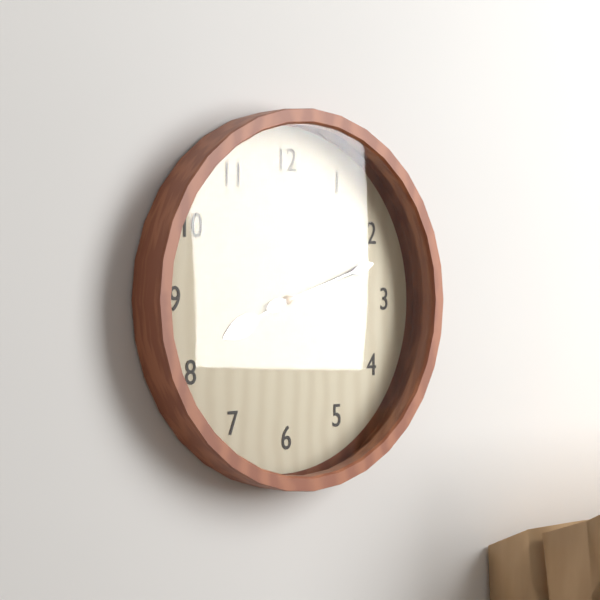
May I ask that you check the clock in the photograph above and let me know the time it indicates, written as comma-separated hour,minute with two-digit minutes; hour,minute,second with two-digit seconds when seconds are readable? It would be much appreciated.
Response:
8,12
